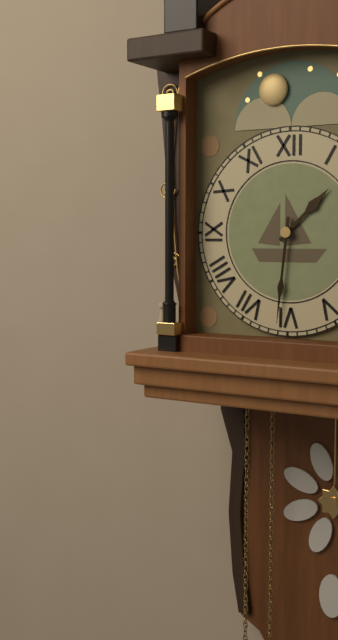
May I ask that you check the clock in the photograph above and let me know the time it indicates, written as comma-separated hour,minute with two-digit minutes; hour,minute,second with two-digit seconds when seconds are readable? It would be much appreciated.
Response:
1,31
